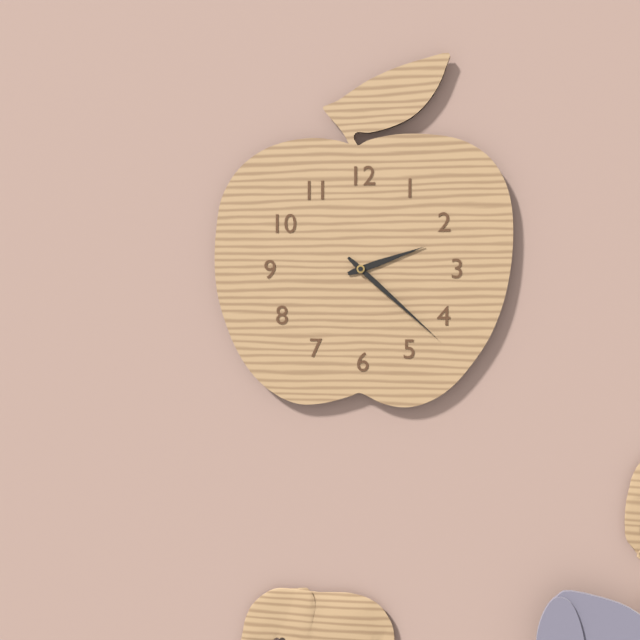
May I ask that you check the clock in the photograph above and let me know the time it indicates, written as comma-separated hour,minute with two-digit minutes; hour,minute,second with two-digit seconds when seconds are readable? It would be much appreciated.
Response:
2,22
